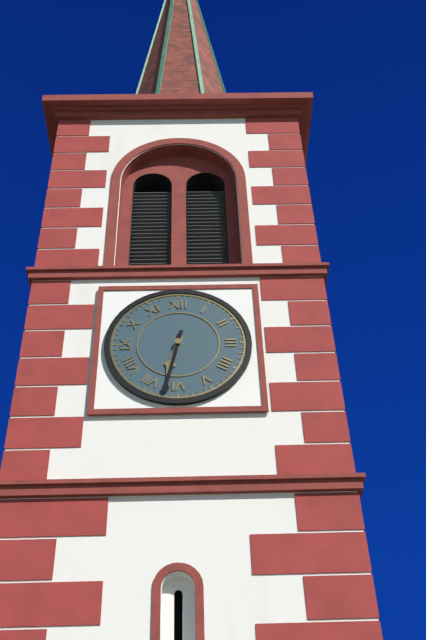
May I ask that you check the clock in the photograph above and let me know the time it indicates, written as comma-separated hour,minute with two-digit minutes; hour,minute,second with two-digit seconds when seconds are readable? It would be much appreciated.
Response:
6,32
